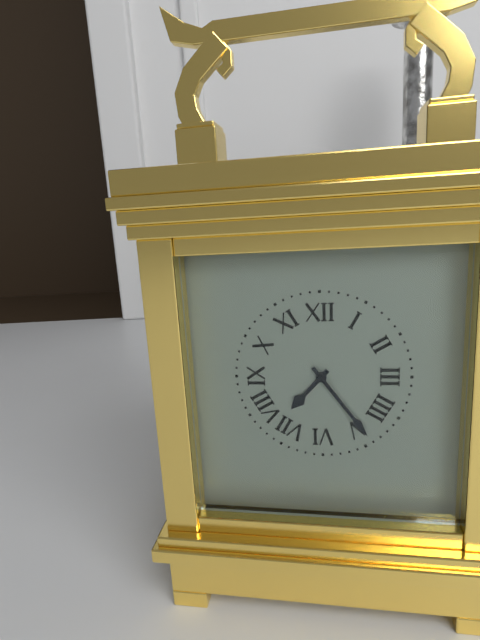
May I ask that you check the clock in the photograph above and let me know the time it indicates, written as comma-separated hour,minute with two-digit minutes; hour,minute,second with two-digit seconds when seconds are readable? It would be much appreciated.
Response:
7,24
